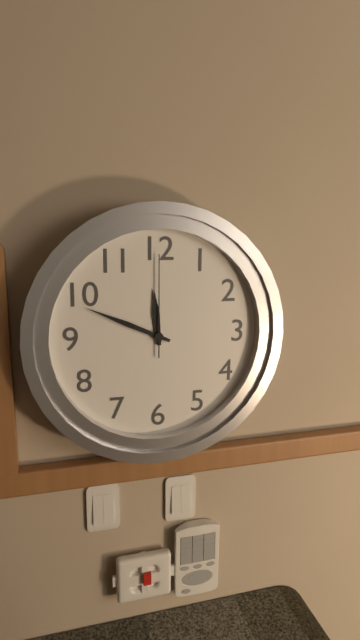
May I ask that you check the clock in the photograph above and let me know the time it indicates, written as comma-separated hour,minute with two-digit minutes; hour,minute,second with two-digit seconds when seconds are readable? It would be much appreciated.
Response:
11,49,00
